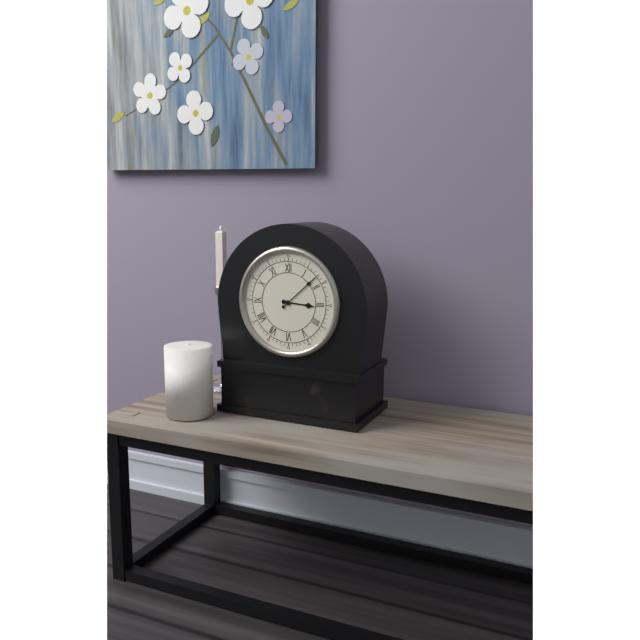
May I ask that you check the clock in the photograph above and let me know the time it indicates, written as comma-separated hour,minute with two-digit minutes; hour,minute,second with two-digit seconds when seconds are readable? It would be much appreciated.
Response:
3,08
